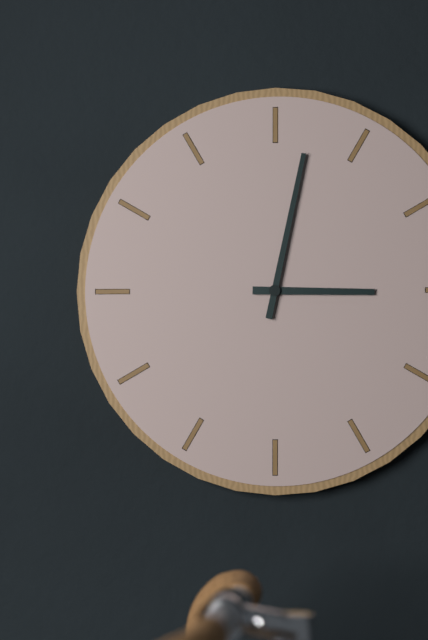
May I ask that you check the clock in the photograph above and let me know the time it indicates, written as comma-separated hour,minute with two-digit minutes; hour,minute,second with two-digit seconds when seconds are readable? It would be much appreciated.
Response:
3,02
